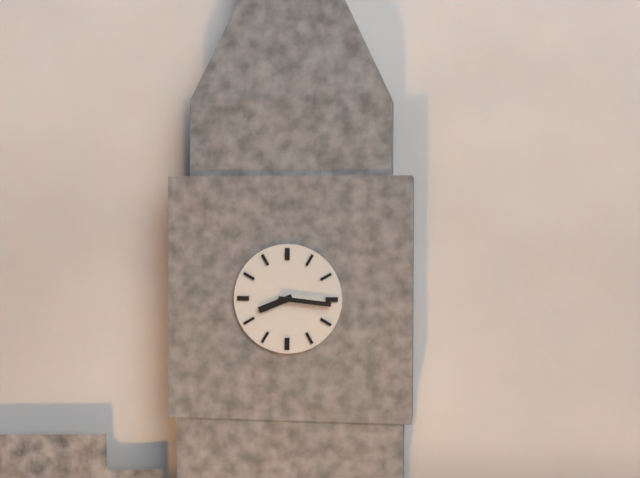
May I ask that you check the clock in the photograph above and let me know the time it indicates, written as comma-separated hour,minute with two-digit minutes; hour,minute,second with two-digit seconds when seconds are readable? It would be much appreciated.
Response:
8,16
